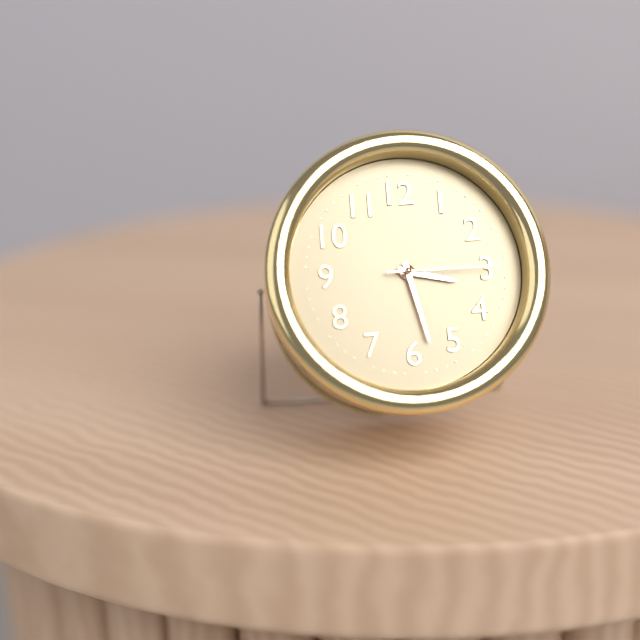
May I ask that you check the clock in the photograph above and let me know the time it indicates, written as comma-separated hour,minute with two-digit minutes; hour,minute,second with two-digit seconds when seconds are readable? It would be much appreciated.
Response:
3,28,15
